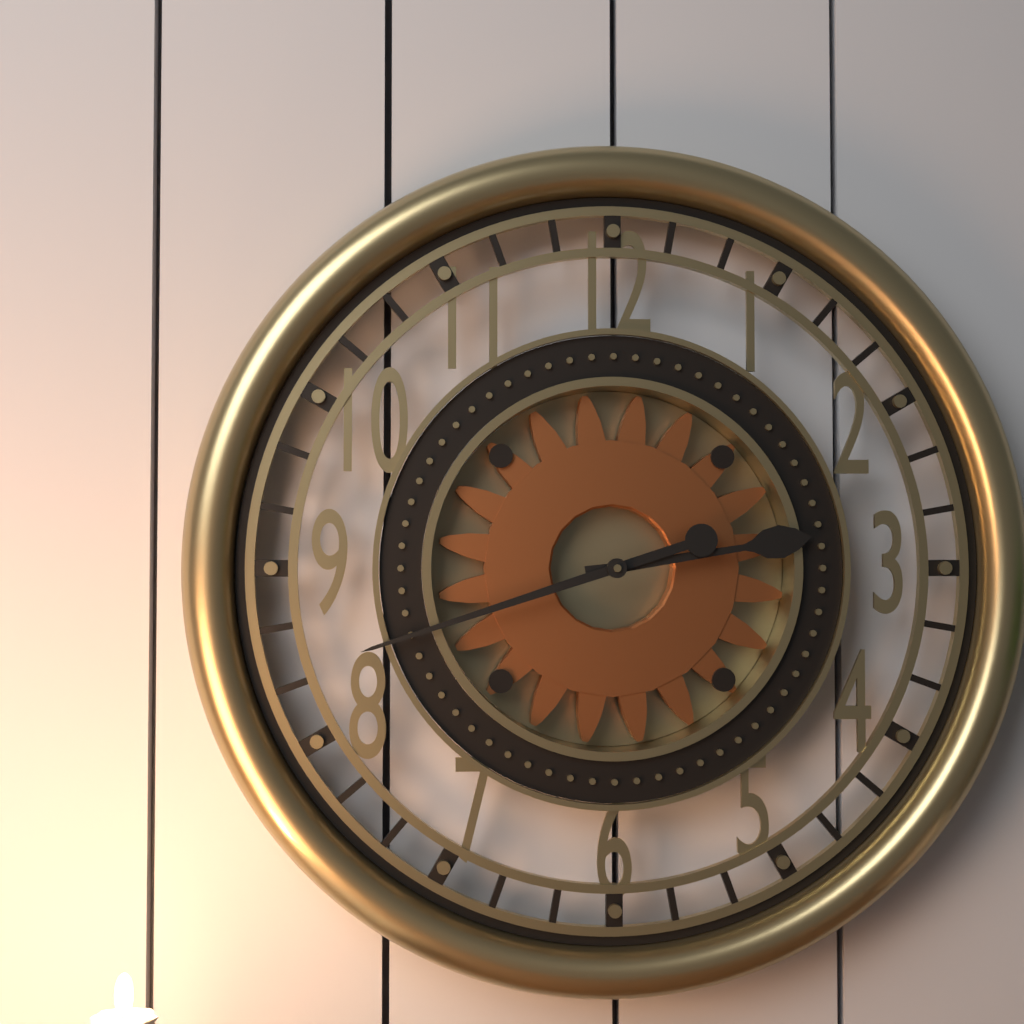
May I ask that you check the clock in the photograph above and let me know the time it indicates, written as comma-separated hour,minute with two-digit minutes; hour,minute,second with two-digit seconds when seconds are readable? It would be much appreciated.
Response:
2,42
